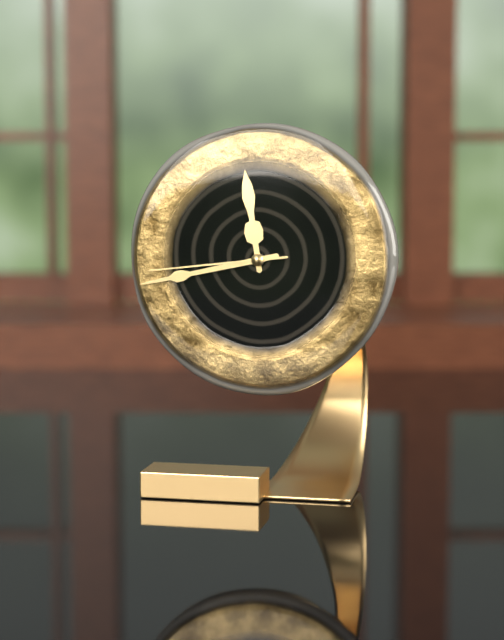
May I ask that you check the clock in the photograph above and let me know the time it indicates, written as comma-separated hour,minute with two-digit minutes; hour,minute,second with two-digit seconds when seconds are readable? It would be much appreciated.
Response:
11,43,44
